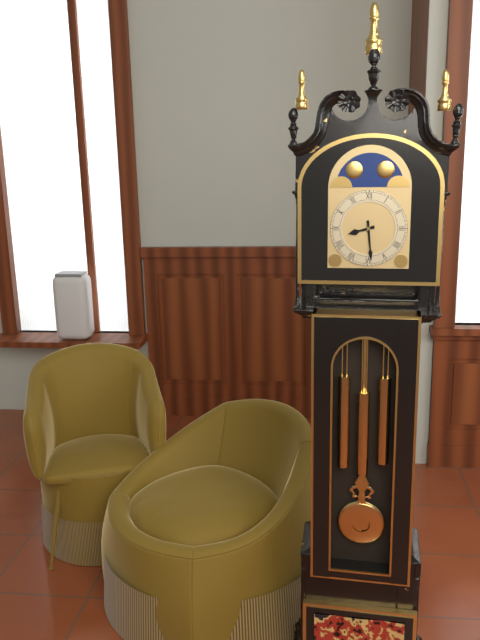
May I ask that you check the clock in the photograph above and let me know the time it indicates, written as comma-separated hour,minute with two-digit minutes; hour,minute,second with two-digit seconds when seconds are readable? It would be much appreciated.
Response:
8,29
